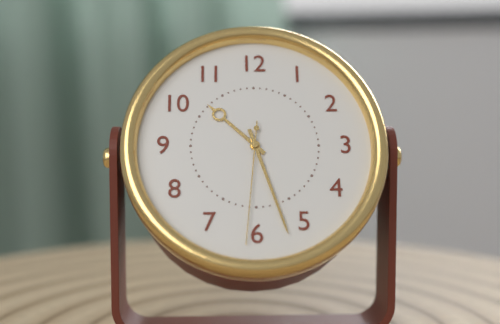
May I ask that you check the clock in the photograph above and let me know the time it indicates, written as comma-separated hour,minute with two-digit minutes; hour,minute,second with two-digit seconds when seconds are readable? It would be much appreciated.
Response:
10,27,31
